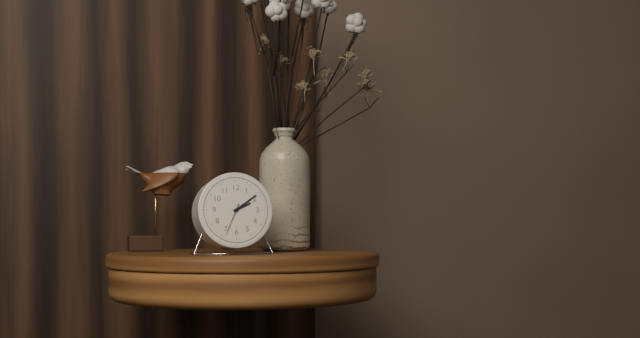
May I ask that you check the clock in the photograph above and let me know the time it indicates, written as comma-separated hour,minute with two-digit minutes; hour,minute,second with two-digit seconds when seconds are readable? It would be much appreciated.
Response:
2,09
